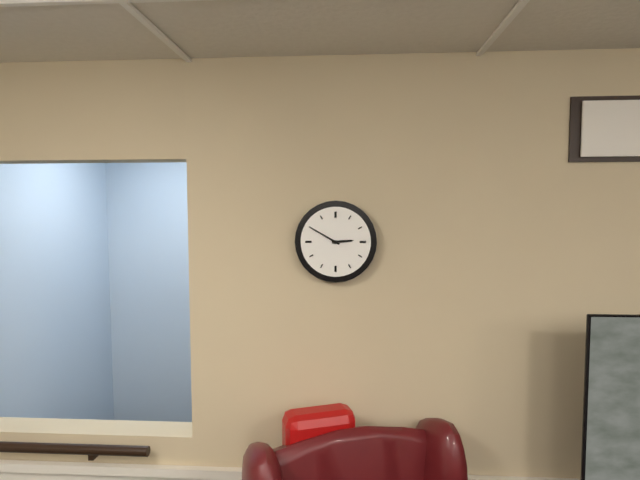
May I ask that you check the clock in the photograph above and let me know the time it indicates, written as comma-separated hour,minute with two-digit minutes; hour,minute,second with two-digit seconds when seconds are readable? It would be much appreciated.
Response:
2,50
